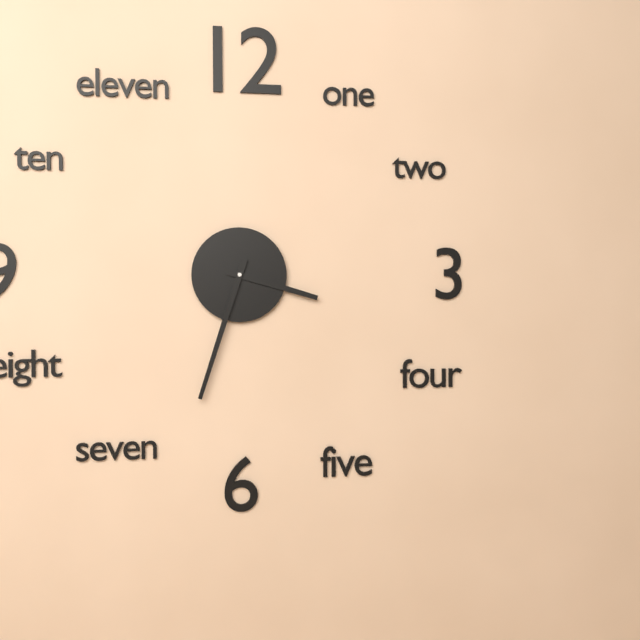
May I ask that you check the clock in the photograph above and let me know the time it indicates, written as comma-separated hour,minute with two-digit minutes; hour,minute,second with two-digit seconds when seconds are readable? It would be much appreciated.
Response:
3,33
